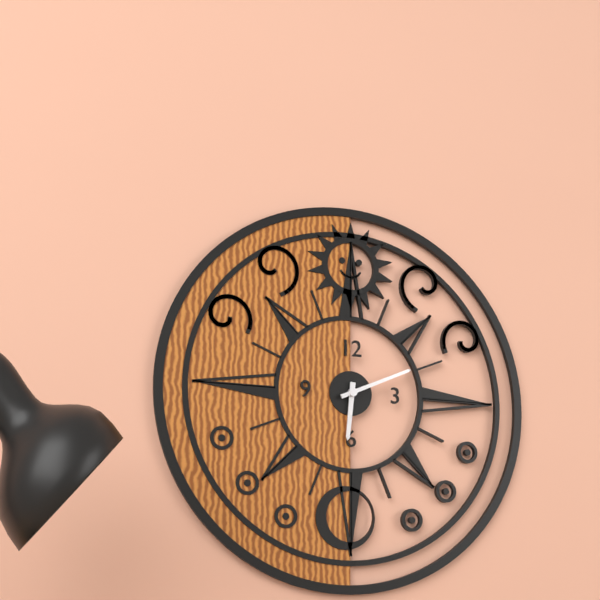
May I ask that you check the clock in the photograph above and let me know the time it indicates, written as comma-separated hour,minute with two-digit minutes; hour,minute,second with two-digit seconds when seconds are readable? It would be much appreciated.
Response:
6,11
